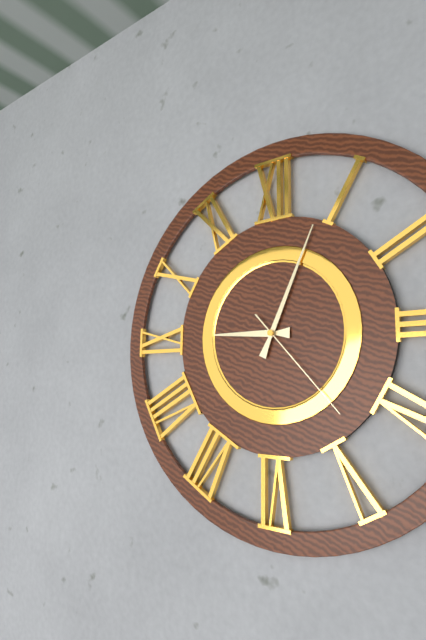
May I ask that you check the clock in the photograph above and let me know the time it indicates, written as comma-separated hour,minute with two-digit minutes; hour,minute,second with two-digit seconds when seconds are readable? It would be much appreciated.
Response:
9,04,23
